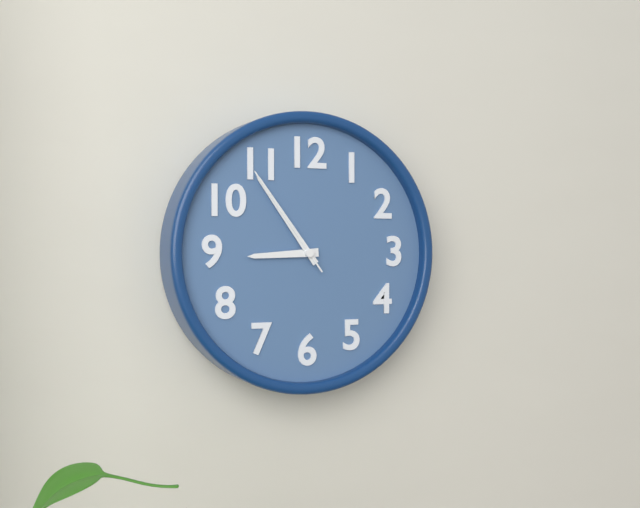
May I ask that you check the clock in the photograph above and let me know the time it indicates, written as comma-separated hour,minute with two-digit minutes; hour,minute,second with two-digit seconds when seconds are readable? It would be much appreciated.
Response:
8,54,54
